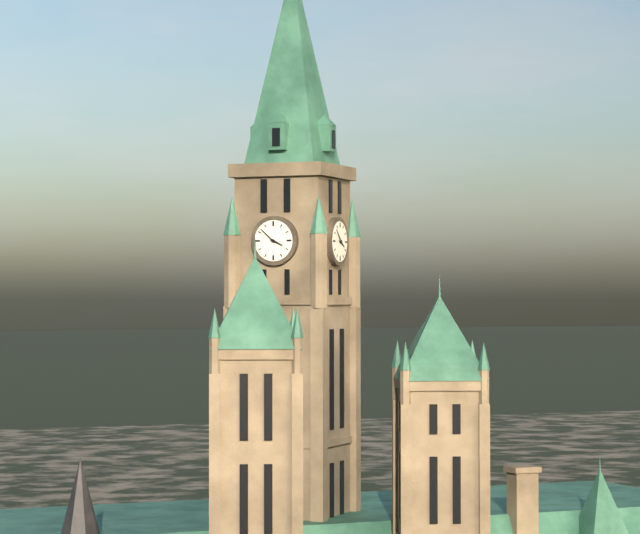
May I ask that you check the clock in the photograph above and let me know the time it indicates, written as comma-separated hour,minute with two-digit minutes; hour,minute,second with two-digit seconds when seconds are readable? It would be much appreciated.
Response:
3,52
